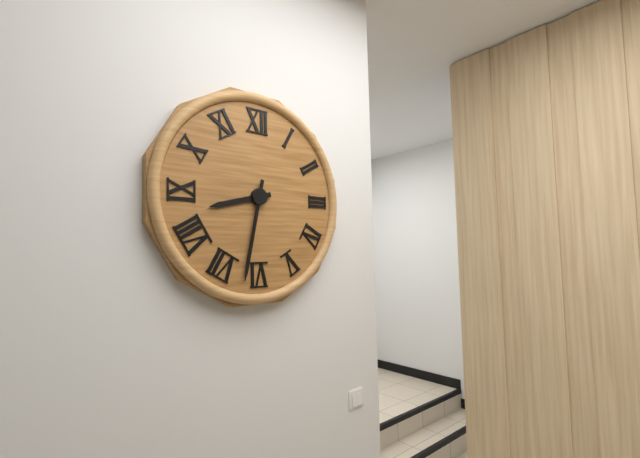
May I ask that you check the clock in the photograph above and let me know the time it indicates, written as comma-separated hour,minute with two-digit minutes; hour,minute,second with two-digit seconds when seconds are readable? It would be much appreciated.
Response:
8,32
